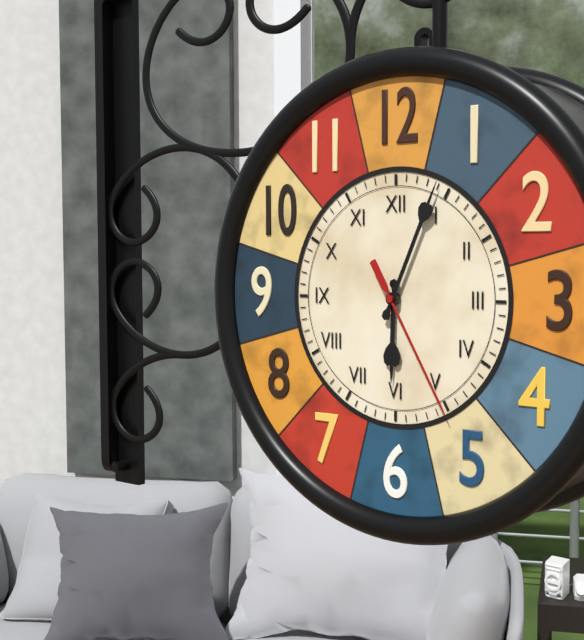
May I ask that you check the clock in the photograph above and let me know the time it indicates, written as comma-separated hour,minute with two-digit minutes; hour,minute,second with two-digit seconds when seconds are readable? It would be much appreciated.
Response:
6,04,25
